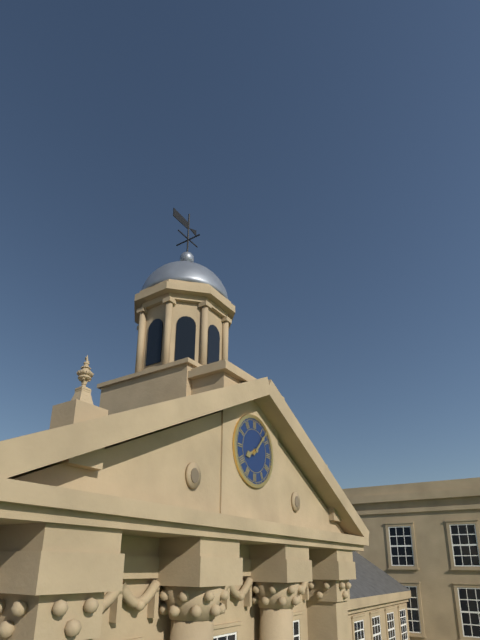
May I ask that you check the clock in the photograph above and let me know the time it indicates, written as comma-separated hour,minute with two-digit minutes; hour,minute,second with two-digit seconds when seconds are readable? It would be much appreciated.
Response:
8,07
